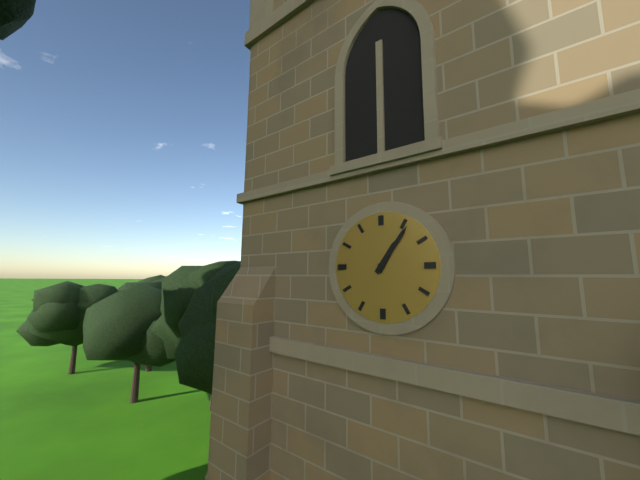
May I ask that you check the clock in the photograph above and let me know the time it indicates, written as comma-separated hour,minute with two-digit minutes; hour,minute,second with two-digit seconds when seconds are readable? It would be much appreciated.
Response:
1,06
